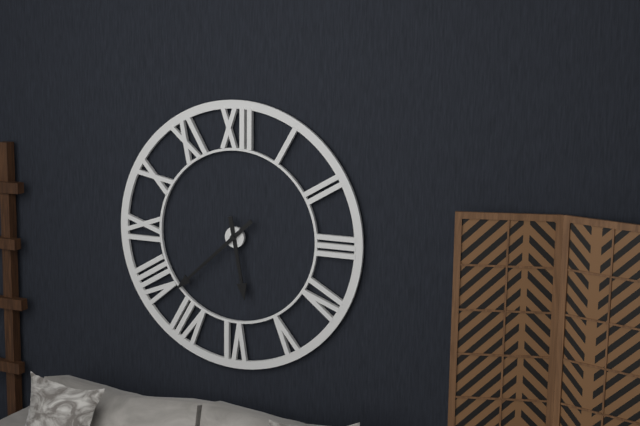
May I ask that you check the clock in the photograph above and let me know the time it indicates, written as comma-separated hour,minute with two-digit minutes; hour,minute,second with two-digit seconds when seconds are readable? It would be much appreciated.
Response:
5,38
